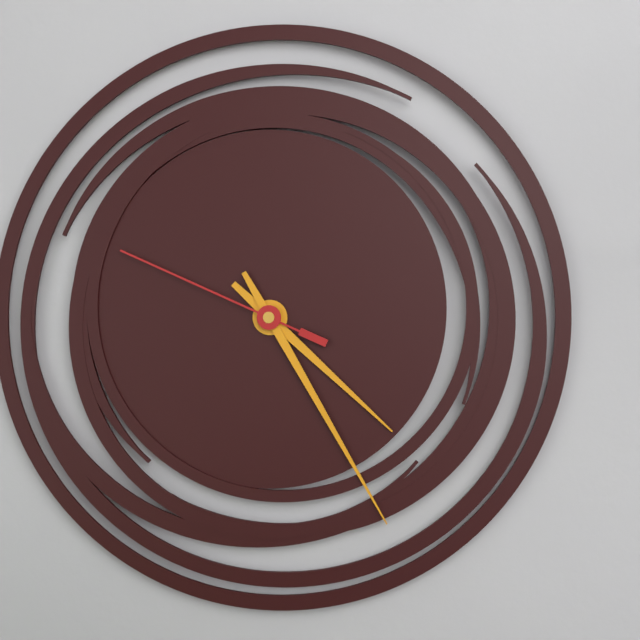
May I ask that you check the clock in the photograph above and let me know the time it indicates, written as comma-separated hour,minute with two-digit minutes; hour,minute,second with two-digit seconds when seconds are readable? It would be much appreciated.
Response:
4,25,49
